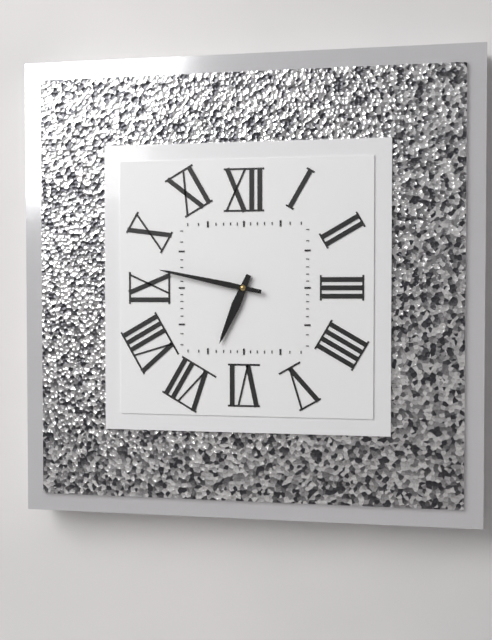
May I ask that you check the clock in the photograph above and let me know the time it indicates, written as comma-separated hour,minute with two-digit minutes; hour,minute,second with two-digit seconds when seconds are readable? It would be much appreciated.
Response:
6,47
